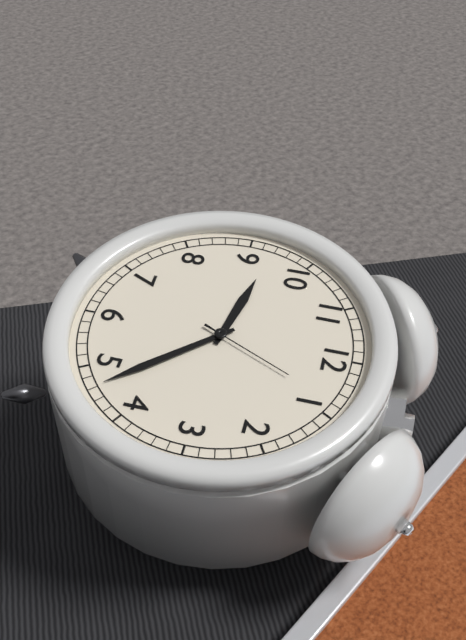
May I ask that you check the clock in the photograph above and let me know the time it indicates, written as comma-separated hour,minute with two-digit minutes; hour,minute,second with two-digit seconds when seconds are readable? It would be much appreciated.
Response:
9,23,04
